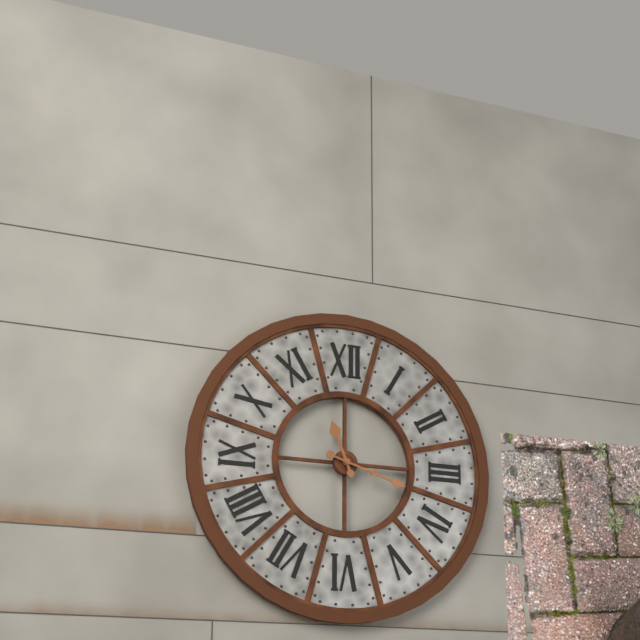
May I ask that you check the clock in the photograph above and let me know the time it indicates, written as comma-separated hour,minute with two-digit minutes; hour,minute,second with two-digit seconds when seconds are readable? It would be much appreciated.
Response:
11,18
